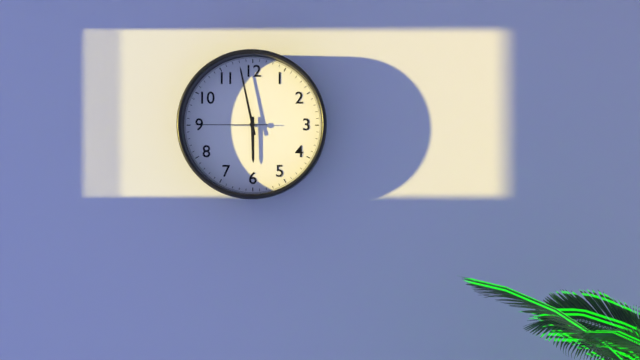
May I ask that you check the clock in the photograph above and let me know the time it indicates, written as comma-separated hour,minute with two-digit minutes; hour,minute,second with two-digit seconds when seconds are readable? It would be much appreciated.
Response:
5,58,45
